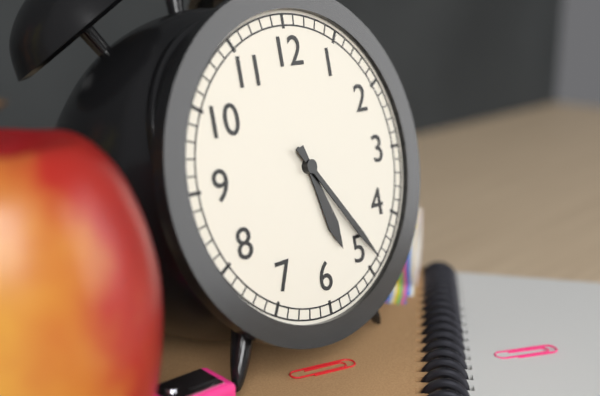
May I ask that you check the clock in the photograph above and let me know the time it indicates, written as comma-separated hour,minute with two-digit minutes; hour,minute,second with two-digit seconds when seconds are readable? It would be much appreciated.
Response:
5,24
